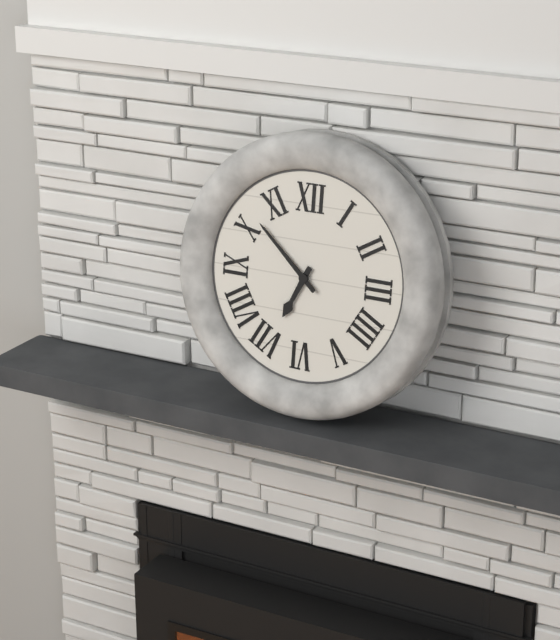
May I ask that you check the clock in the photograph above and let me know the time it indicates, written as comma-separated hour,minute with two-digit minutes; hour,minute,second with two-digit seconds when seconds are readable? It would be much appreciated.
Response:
6,52
